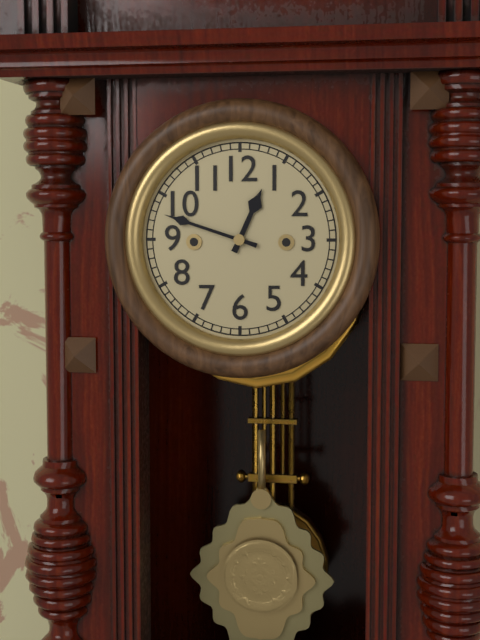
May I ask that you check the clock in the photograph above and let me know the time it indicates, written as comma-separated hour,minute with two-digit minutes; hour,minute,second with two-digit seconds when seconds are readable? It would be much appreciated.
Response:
12,48
